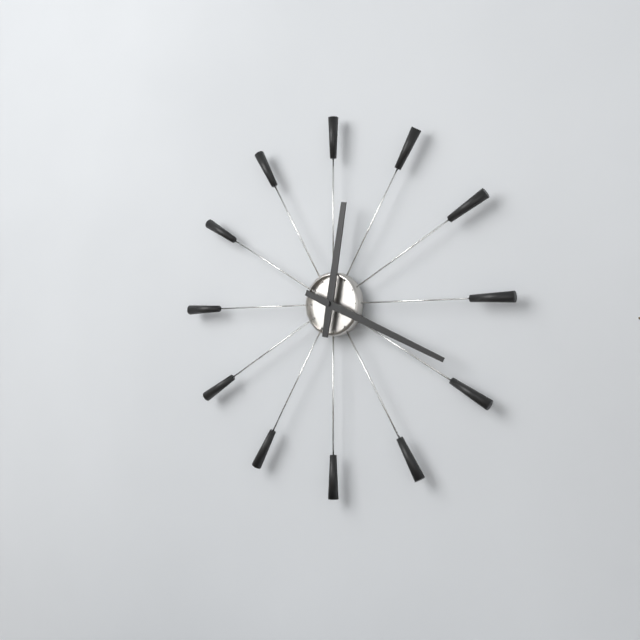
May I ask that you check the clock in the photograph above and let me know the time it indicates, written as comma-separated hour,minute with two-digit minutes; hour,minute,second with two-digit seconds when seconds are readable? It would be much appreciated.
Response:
12,19
